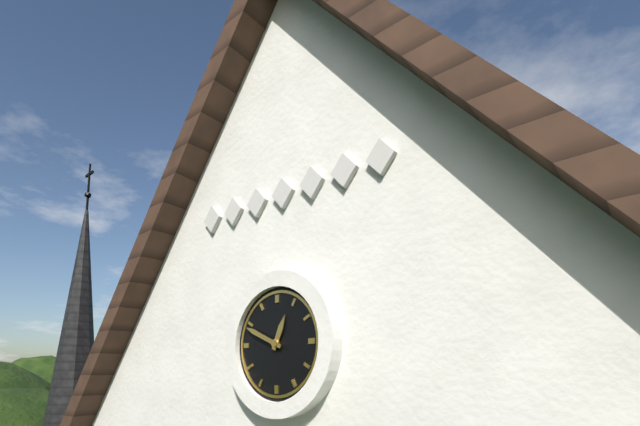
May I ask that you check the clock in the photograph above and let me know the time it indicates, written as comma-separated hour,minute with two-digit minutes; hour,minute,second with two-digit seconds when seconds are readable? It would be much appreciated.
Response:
12,49
